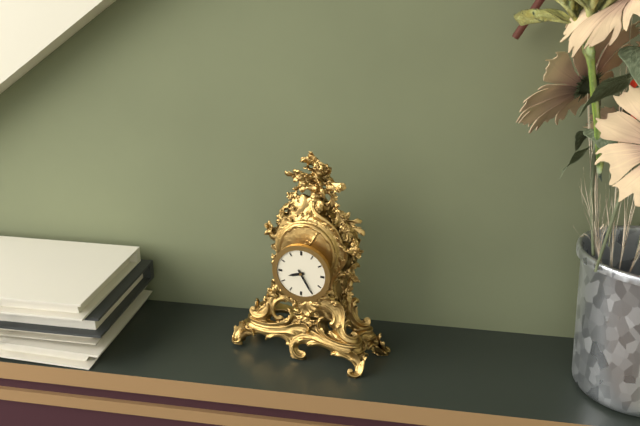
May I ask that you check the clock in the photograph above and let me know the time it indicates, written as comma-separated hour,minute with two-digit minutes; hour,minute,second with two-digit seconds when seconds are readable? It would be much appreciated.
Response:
8,25
